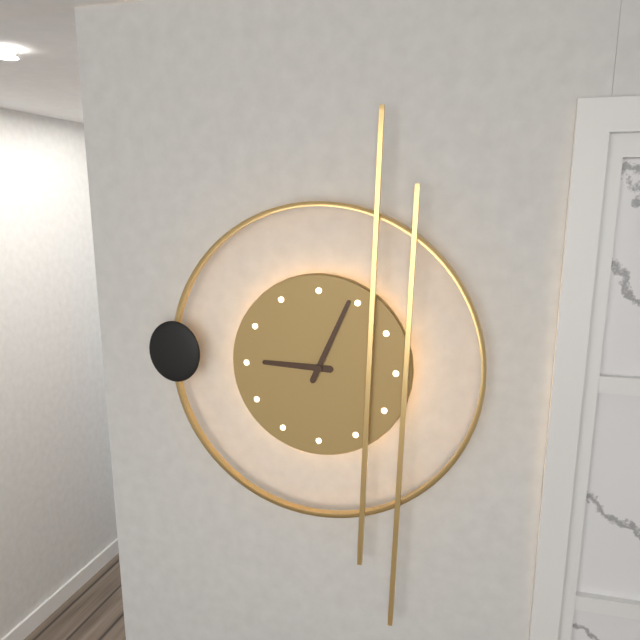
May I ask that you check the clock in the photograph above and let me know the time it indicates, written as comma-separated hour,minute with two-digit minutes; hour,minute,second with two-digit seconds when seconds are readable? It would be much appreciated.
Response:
9,04
